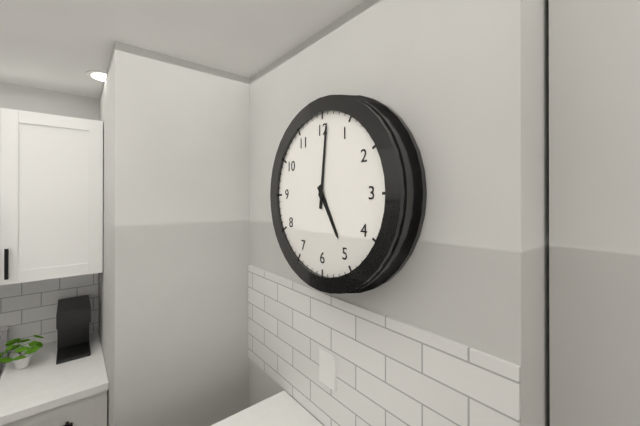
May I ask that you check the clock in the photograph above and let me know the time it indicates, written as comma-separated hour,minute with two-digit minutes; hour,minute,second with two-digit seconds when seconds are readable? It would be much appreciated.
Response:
5,01
